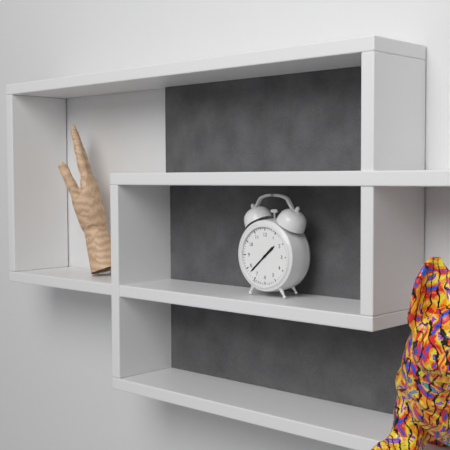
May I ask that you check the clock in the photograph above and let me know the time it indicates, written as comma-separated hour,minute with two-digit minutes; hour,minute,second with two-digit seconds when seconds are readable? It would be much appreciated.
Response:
1,38
